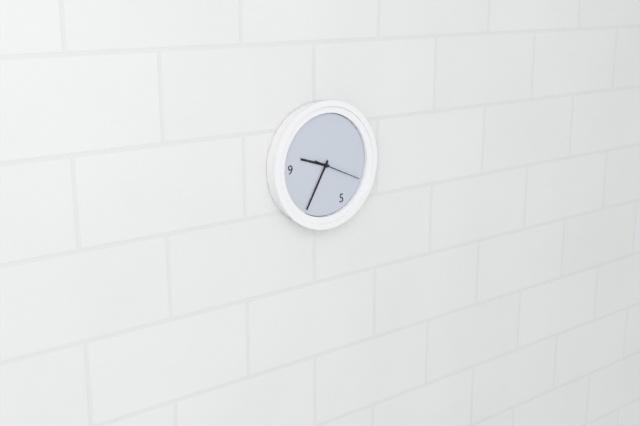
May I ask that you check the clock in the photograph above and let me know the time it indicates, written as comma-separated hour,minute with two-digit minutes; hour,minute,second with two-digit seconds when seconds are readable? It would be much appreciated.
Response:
9,35
